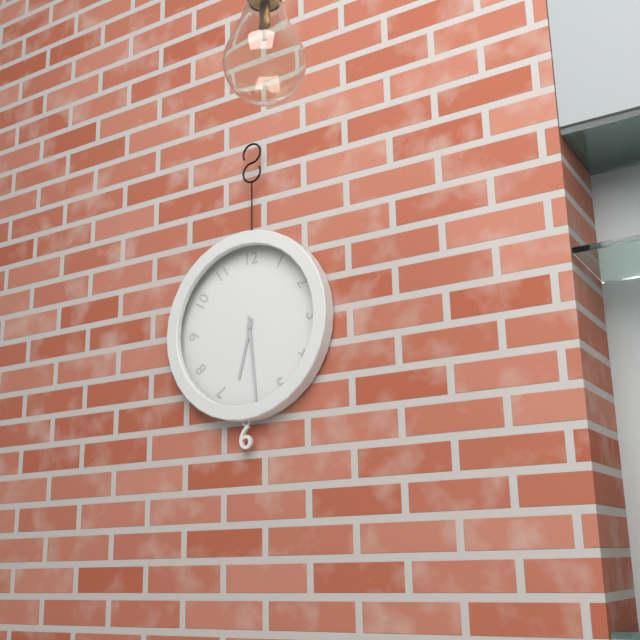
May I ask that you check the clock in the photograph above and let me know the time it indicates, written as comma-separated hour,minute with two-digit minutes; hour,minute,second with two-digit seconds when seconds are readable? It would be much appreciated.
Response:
6,29
